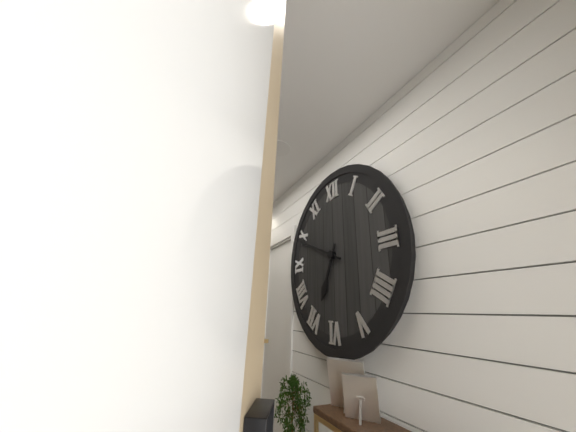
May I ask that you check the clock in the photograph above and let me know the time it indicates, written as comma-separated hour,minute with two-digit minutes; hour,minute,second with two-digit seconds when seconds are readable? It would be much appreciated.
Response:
6,49
